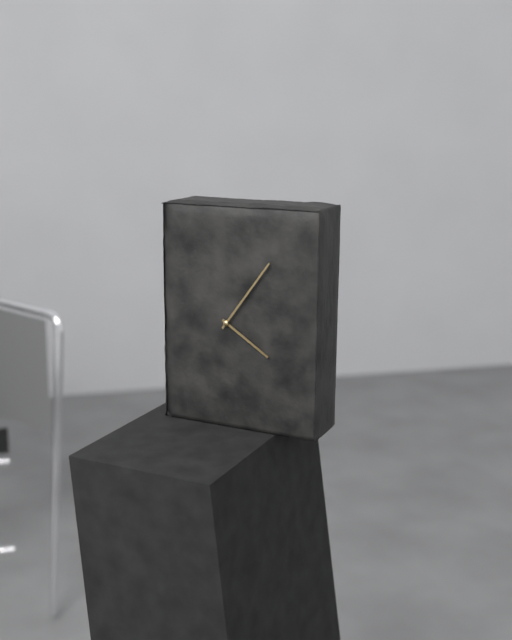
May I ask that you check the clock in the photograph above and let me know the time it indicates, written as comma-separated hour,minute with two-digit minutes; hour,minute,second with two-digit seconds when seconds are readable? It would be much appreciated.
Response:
4,06
